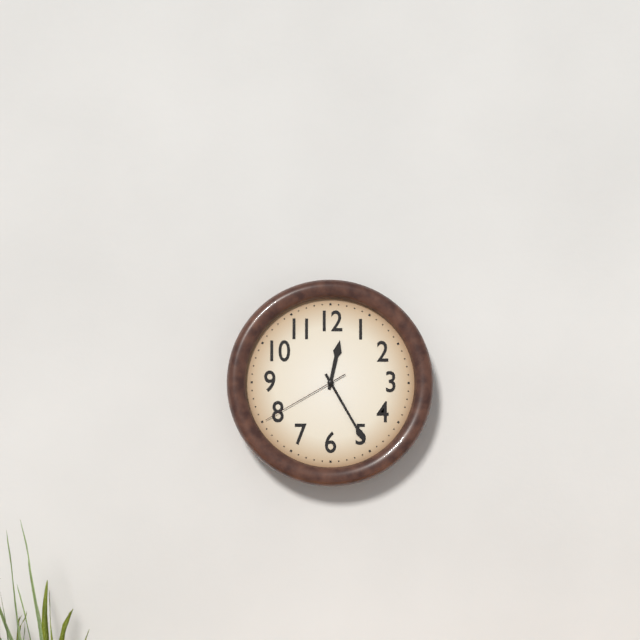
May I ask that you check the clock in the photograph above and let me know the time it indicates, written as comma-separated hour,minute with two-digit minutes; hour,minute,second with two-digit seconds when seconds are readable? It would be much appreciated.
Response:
12,25,40
